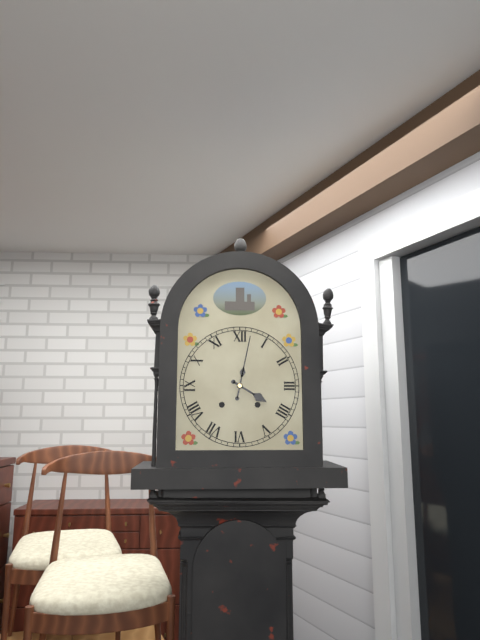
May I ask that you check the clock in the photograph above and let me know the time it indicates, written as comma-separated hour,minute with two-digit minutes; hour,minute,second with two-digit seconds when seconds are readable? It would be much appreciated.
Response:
4,02
